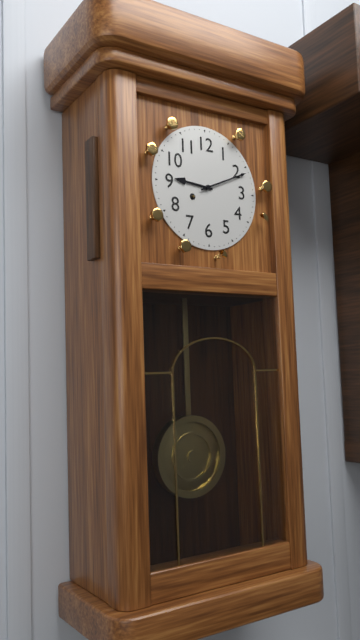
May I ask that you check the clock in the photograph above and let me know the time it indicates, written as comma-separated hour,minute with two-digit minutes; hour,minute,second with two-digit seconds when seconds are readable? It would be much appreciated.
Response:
9,11
